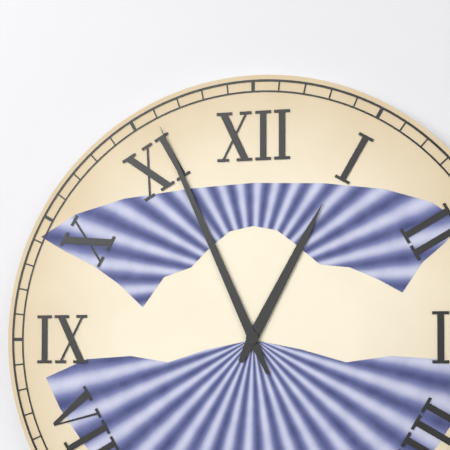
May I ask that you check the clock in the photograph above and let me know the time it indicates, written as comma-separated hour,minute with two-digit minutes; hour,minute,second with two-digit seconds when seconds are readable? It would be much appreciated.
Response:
12,56
